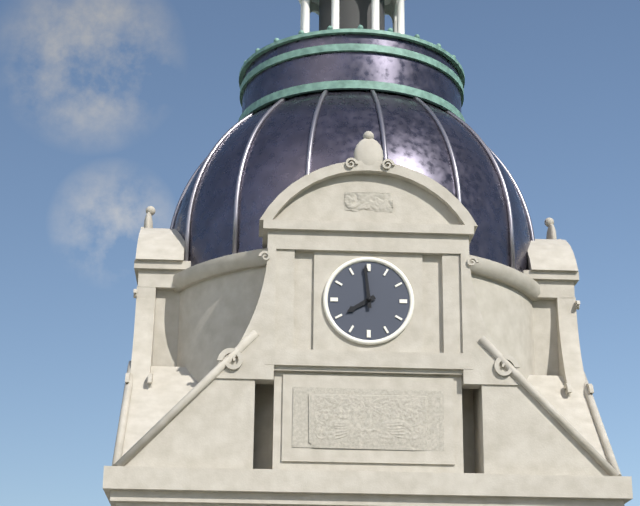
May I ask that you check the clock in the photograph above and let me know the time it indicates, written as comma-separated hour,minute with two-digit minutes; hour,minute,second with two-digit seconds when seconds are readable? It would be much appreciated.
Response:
7,59
